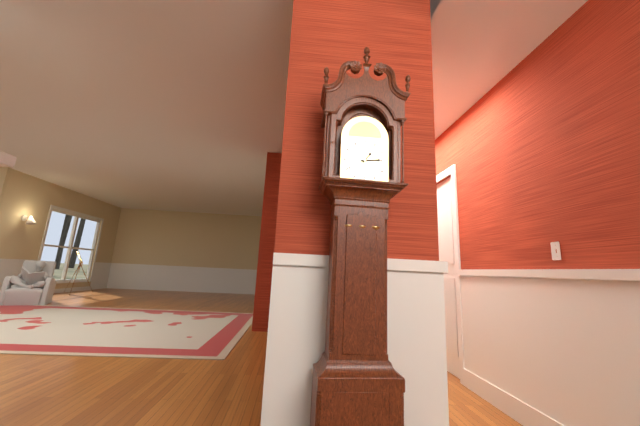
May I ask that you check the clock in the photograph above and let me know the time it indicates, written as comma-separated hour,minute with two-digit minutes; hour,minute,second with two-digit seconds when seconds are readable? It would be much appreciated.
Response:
1,14
